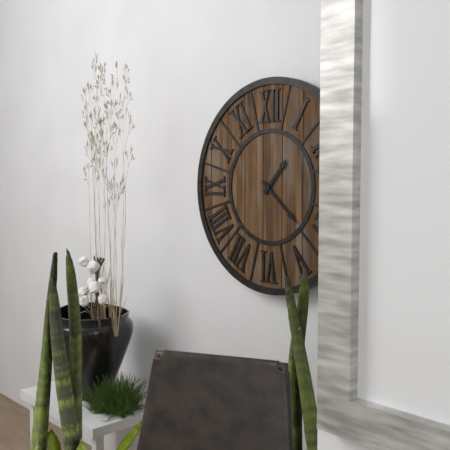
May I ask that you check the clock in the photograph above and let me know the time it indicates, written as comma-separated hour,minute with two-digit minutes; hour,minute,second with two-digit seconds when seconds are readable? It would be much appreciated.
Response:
1,22
